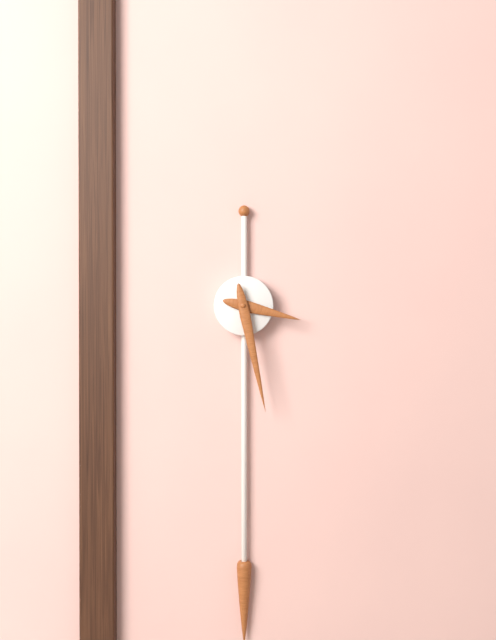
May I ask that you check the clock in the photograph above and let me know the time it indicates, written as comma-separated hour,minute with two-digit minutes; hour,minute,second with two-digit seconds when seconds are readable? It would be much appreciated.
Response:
3,28
